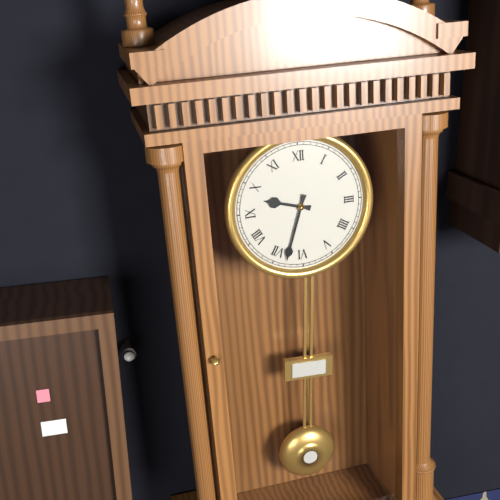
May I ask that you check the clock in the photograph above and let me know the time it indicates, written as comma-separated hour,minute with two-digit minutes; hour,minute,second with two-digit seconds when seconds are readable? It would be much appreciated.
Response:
9,33
